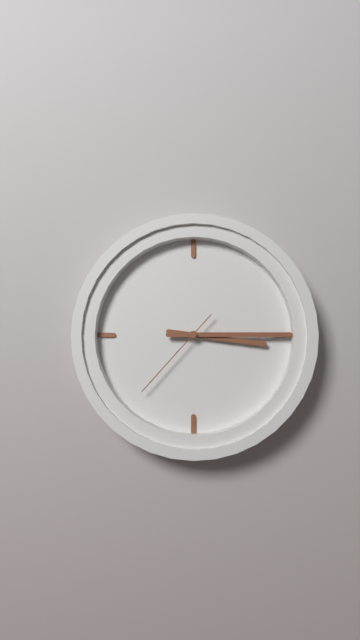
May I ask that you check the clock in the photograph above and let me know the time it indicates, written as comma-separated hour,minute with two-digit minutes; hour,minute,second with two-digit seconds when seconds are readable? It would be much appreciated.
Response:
3,15,37
